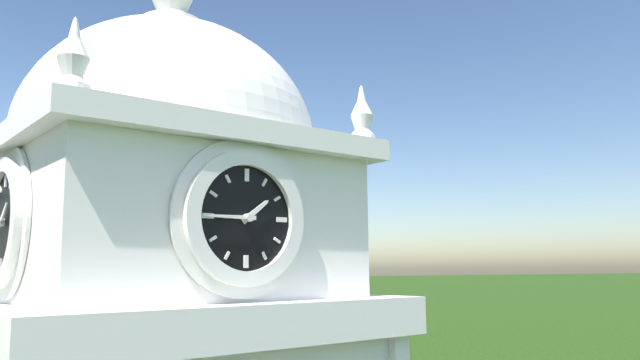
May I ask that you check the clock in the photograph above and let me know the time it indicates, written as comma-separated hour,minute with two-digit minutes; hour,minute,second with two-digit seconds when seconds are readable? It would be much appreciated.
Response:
1,45
